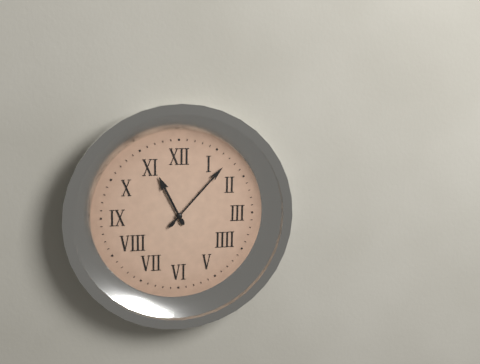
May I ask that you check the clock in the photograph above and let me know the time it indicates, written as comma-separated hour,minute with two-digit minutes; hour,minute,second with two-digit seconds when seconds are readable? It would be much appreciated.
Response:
11,07
